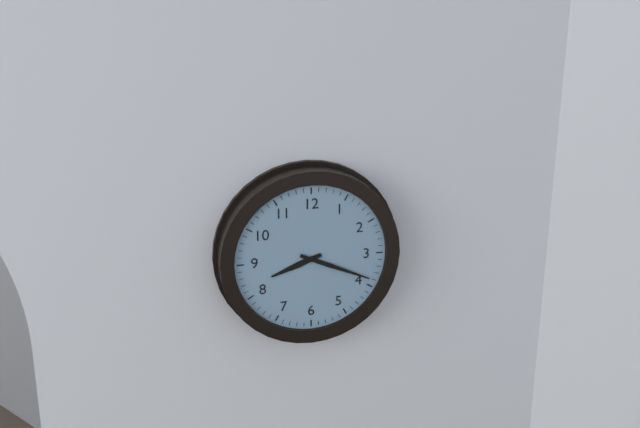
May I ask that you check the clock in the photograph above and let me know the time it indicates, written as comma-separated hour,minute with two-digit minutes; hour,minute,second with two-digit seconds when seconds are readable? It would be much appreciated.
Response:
8,19
